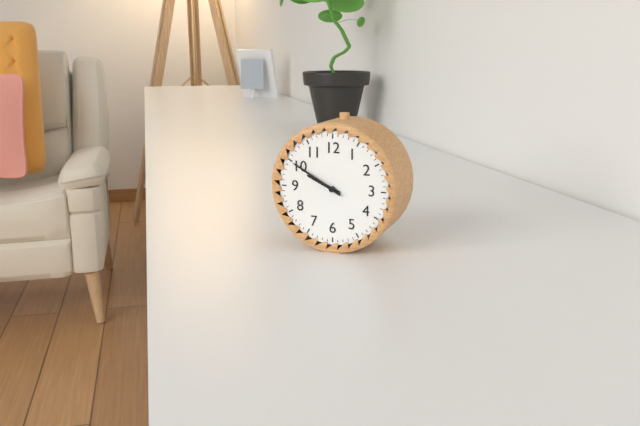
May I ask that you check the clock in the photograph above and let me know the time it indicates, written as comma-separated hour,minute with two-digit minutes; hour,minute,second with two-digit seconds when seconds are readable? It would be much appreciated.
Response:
9,50
